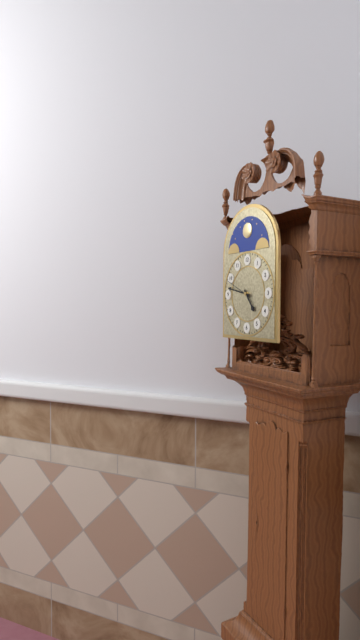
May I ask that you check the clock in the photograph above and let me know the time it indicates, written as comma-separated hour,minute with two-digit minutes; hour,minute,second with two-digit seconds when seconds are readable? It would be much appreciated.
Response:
4,47
